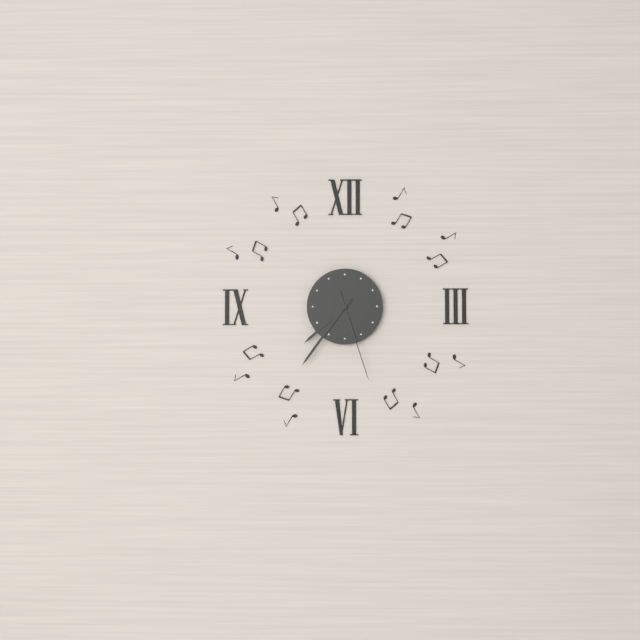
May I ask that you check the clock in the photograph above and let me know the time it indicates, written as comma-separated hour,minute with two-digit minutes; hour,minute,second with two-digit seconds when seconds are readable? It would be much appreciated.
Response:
7,36,27
